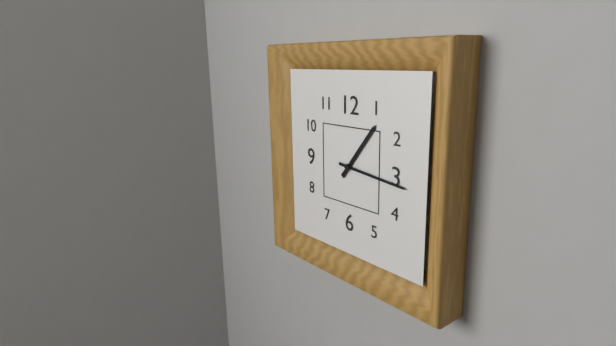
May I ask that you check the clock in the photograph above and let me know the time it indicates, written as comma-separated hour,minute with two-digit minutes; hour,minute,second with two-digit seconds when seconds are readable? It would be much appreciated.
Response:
1,16
